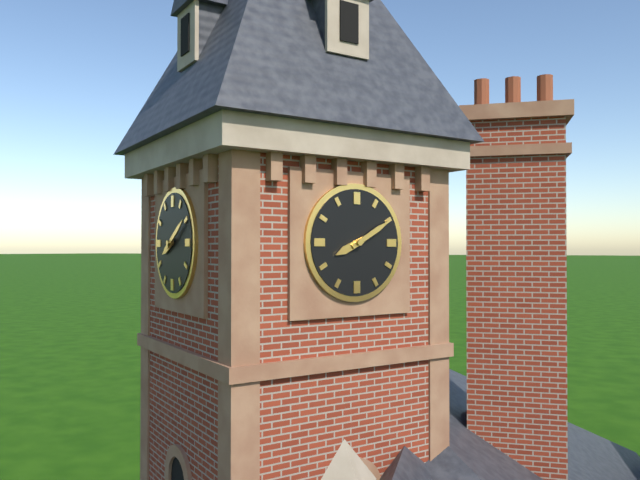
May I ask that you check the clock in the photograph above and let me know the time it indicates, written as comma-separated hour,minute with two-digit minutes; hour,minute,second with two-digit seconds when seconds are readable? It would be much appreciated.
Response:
8,10
